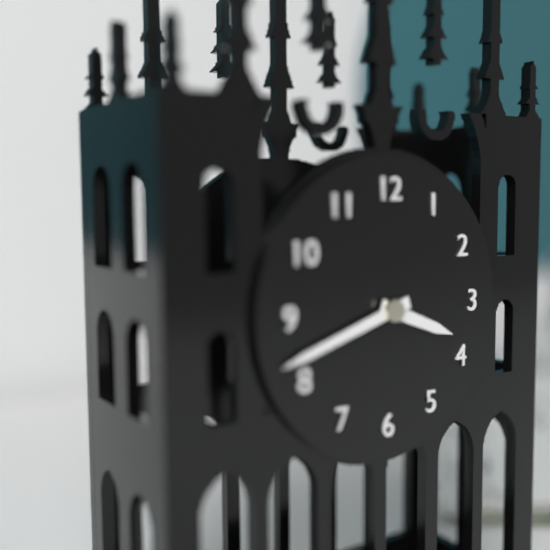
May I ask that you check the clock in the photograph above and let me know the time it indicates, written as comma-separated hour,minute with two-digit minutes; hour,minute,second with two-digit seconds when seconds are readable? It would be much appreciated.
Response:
3,42
